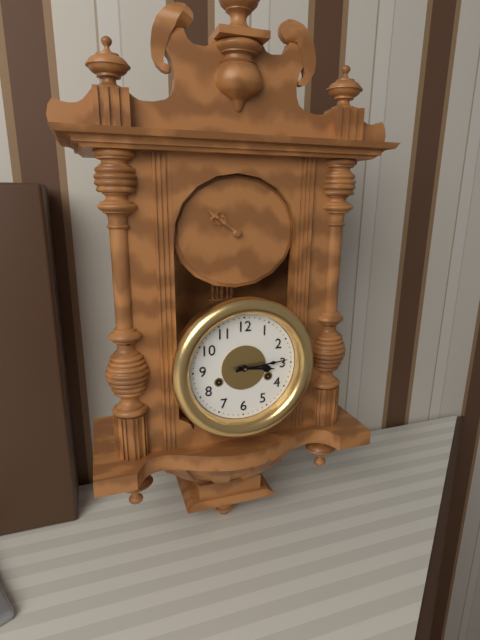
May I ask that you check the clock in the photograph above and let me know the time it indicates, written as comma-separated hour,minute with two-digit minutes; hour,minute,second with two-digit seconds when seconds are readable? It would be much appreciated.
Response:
3,14
